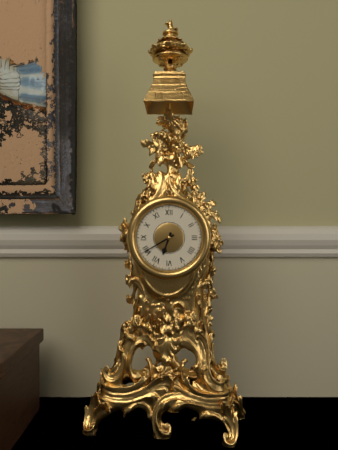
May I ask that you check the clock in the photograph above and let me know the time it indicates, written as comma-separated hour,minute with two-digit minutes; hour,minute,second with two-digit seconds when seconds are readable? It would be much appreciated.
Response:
6,40
